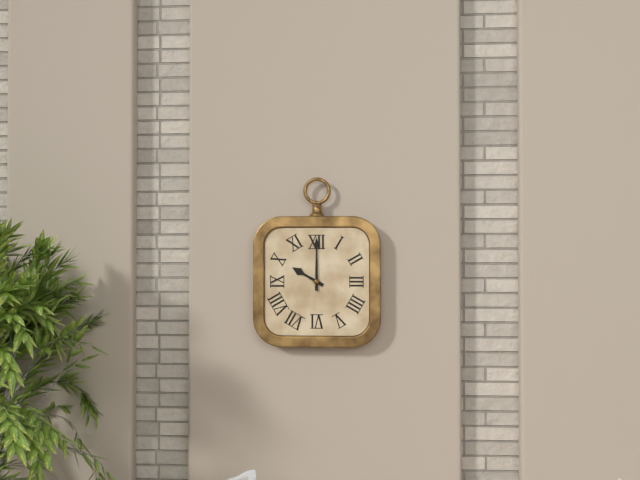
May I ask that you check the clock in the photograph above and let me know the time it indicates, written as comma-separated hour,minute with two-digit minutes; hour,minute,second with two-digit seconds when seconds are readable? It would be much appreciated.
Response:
10,00
